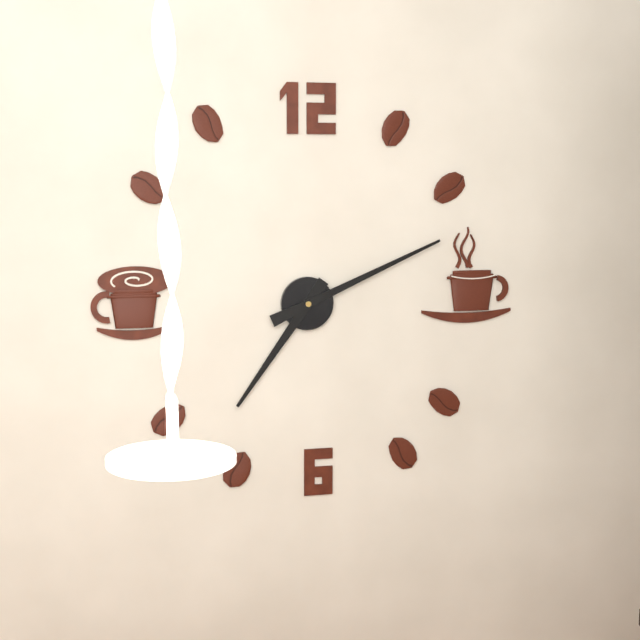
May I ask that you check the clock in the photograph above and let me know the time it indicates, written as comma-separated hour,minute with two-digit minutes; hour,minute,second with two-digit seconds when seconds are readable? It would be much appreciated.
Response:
7,11
